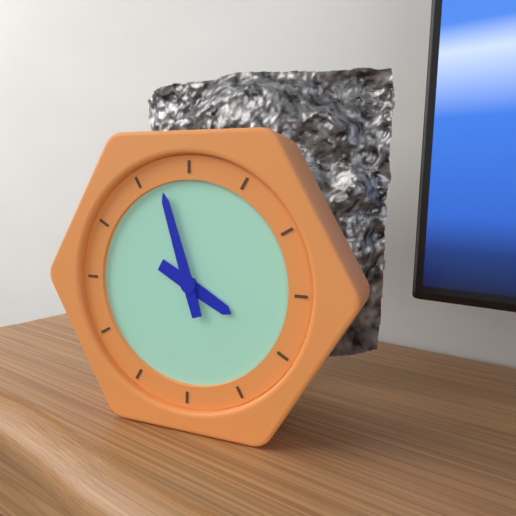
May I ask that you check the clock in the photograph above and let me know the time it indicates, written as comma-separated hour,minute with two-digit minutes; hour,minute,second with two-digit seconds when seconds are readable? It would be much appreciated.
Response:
3,57
